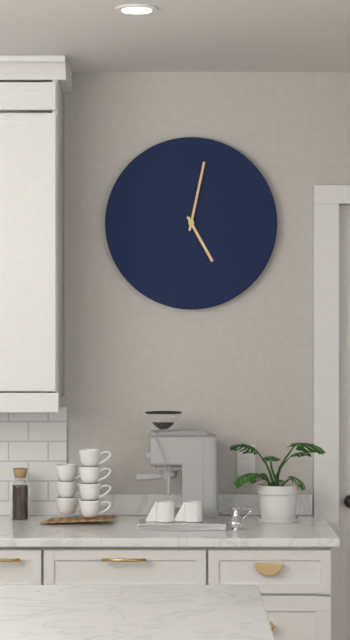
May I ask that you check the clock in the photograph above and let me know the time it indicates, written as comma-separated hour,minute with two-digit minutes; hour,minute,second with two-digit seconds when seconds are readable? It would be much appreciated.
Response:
5,02
